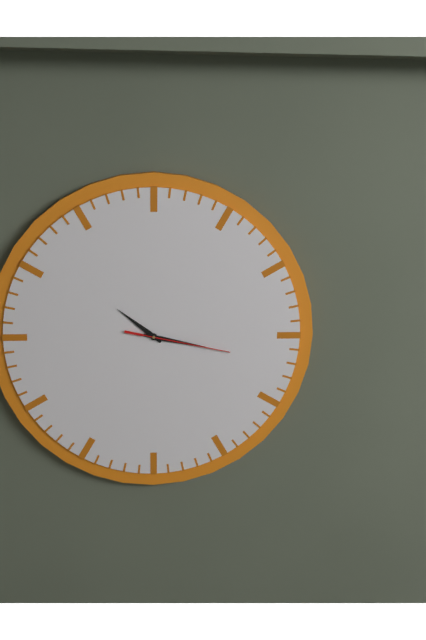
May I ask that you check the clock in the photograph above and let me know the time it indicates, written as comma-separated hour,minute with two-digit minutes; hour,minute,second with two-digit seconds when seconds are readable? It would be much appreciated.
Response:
10,17,17
